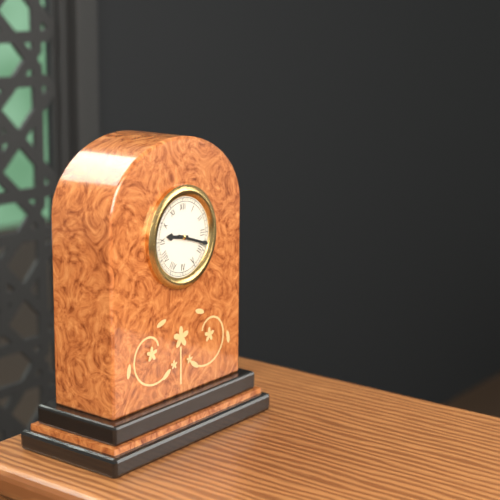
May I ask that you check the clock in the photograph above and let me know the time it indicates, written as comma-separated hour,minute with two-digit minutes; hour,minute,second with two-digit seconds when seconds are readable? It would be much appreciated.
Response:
9,18
